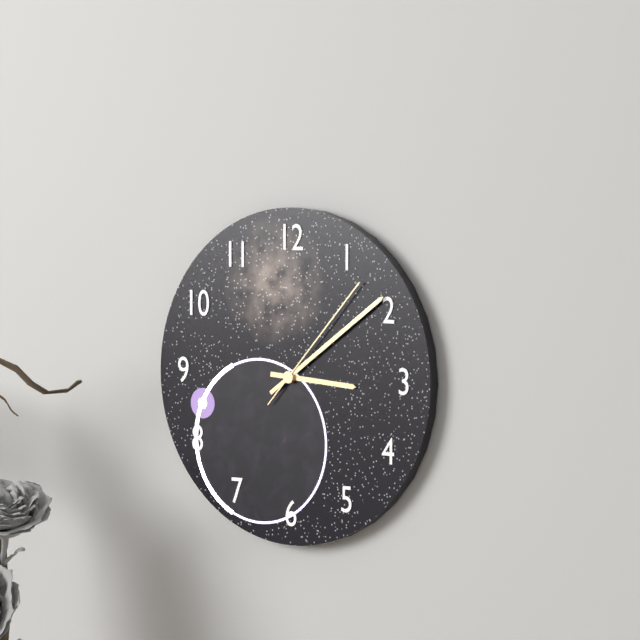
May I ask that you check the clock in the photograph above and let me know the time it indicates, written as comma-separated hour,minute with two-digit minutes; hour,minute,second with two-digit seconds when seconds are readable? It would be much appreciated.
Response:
3,09,07
